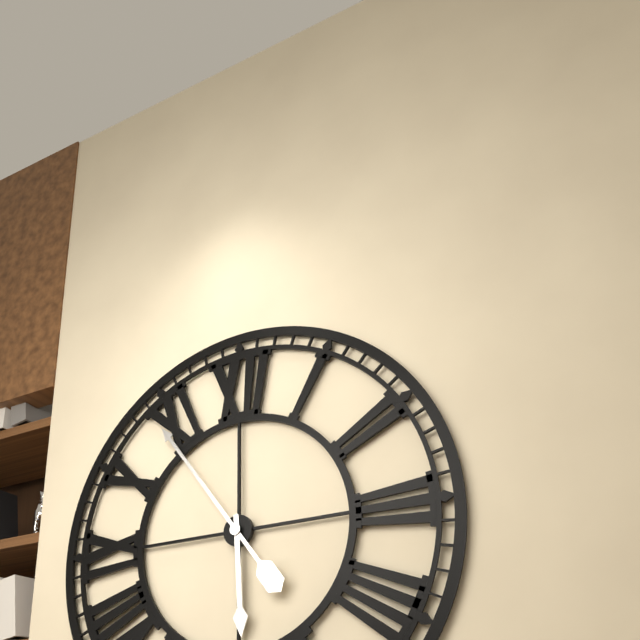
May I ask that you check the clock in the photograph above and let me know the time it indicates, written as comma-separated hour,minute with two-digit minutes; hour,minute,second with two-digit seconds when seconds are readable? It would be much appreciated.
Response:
5,54
